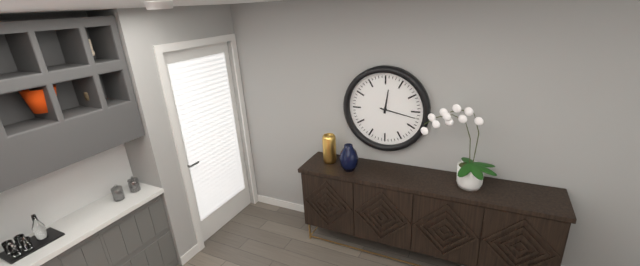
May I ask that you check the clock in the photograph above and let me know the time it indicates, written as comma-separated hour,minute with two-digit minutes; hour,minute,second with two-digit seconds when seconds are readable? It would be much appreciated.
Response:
12,17
